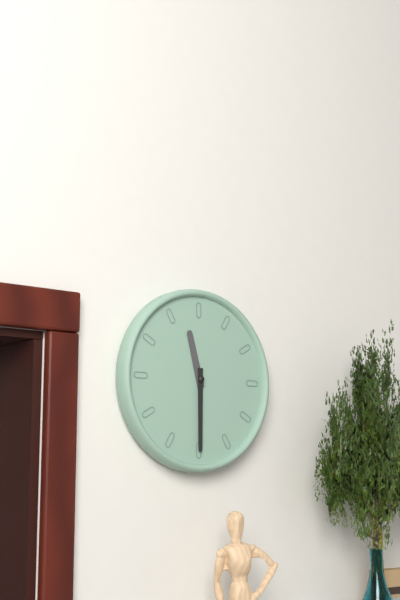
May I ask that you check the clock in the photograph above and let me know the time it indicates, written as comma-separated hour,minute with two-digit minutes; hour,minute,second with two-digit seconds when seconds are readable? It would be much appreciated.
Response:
11,30
